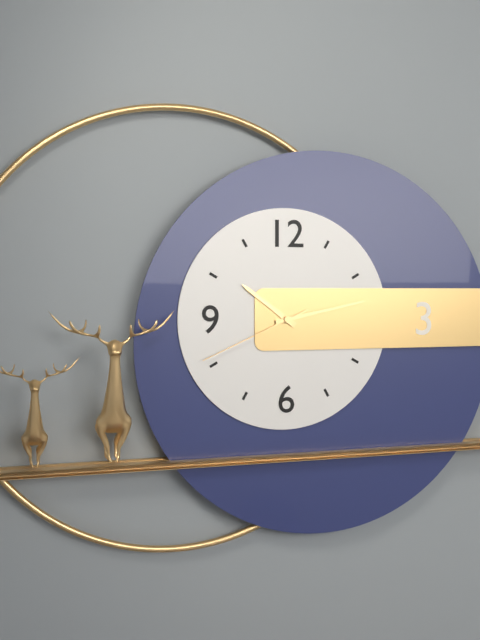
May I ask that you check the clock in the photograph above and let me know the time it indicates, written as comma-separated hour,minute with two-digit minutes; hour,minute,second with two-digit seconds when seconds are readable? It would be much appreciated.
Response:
10,13,41
